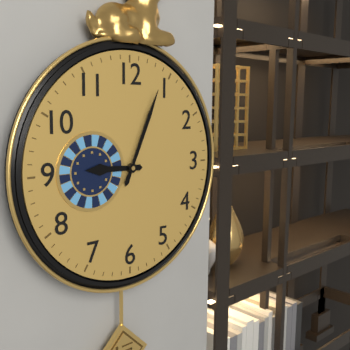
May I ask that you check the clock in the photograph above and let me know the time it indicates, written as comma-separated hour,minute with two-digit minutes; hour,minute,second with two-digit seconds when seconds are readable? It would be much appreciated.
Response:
9,04
